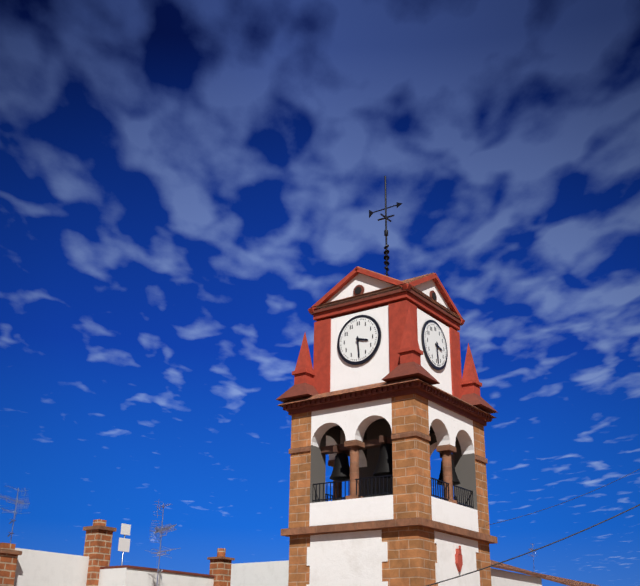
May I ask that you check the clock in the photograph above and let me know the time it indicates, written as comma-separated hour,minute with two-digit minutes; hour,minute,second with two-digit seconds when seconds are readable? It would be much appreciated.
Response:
3,29
